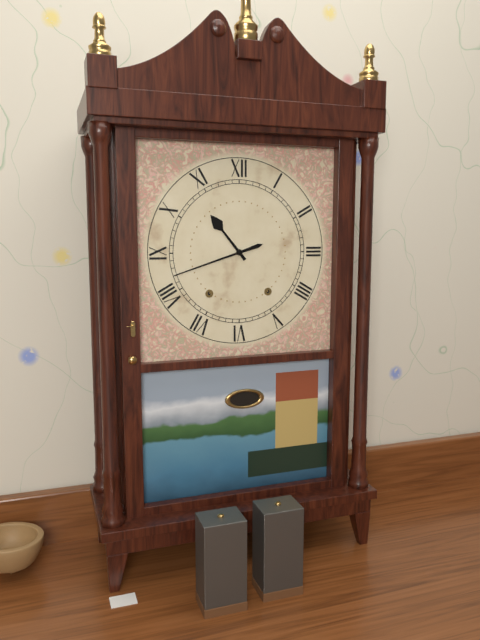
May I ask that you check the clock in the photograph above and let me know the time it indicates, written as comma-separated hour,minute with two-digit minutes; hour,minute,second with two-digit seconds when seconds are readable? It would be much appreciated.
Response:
10,42
